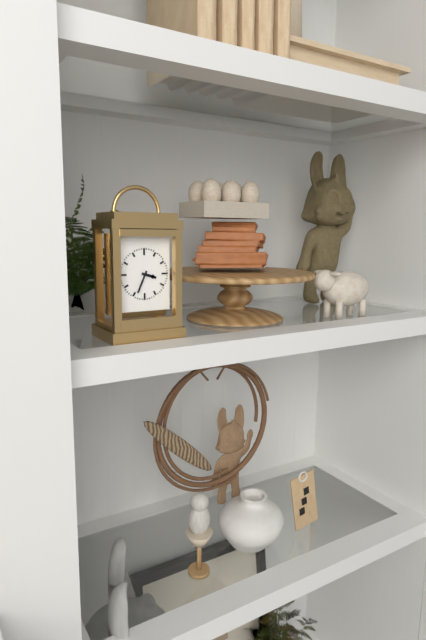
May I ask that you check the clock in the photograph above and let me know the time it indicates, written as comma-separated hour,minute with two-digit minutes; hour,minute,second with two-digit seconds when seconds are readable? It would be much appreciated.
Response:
3,34
